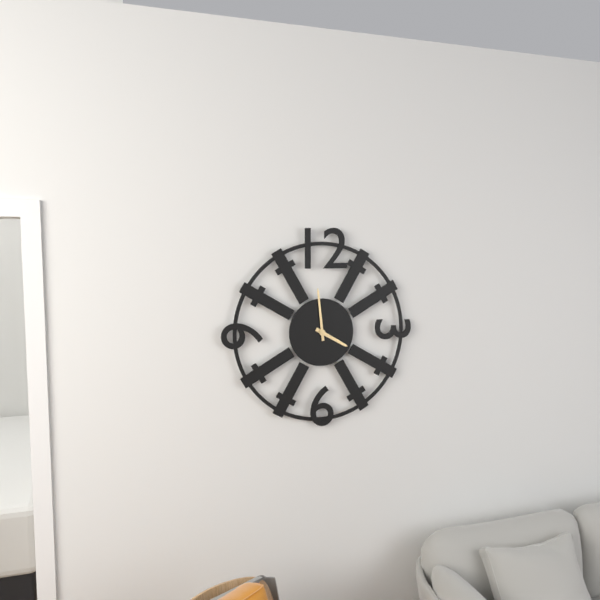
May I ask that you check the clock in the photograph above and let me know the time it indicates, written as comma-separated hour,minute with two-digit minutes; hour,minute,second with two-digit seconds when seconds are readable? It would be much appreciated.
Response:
3,59
